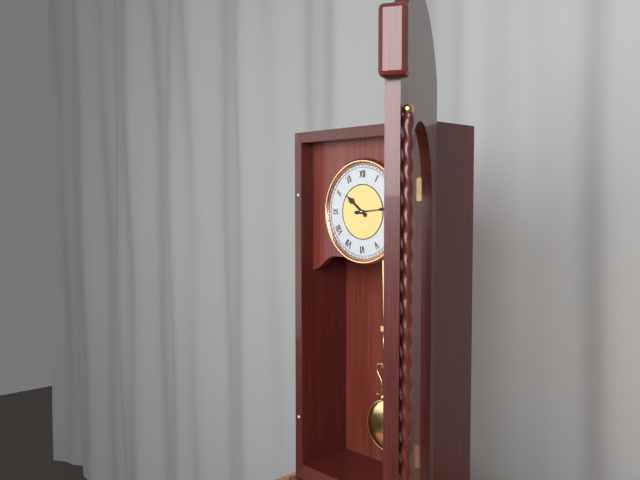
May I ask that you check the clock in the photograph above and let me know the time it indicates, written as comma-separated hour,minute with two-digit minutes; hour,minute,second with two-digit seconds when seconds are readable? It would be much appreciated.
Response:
10,14
